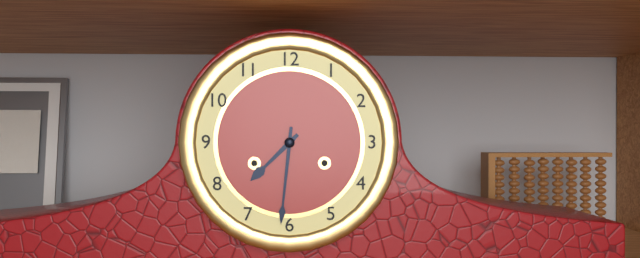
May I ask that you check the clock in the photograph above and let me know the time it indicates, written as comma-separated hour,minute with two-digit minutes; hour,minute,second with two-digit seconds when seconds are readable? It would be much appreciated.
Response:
7,31
